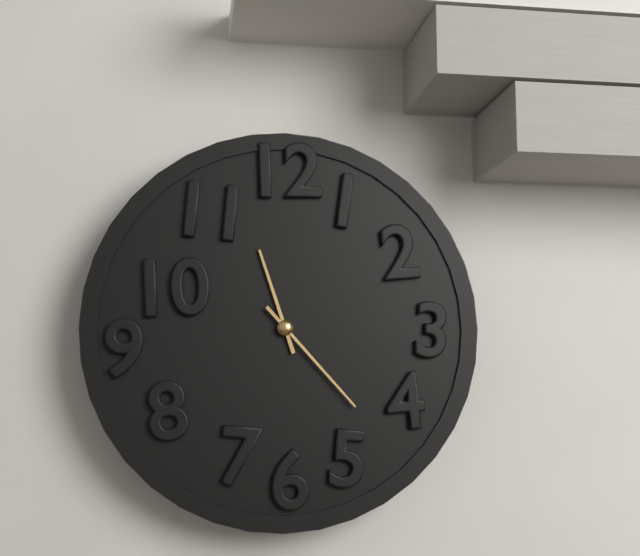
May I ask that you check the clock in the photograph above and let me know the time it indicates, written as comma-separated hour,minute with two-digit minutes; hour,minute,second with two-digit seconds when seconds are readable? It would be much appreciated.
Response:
11,23
